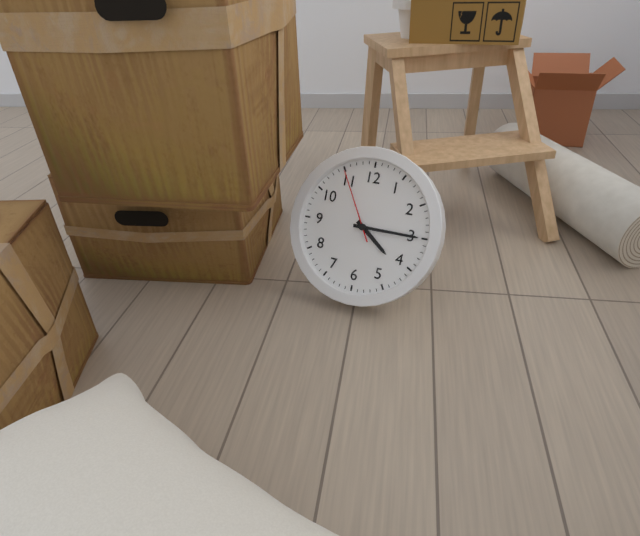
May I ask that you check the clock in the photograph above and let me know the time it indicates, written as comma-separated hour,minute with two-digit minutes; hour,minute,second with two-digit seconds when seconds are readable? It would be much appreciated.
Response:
4,15,55
